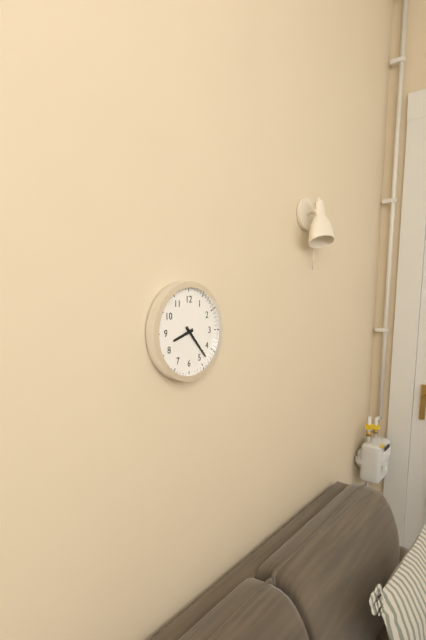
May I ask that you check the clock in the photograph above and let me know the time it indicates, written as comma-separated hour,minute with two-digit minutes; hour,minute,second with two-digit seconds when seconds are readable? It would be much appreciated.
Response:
8,23
